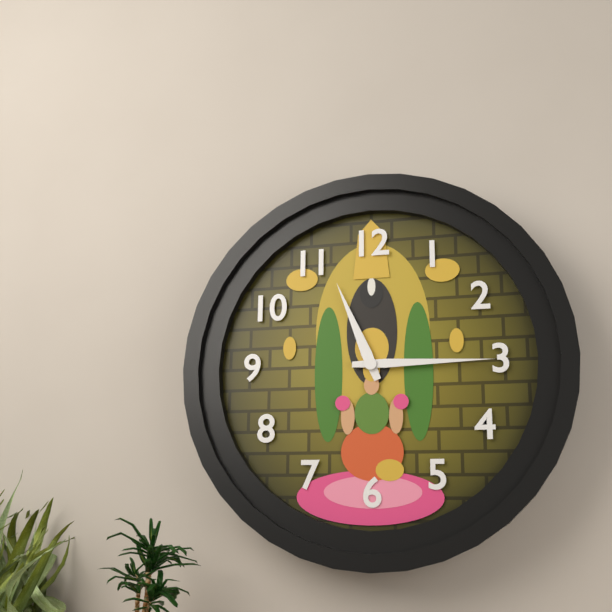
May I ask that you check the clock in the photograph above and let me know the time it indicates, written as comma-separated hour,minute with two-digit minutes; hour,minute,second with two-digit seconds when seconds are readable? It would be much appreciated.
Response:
11,15
